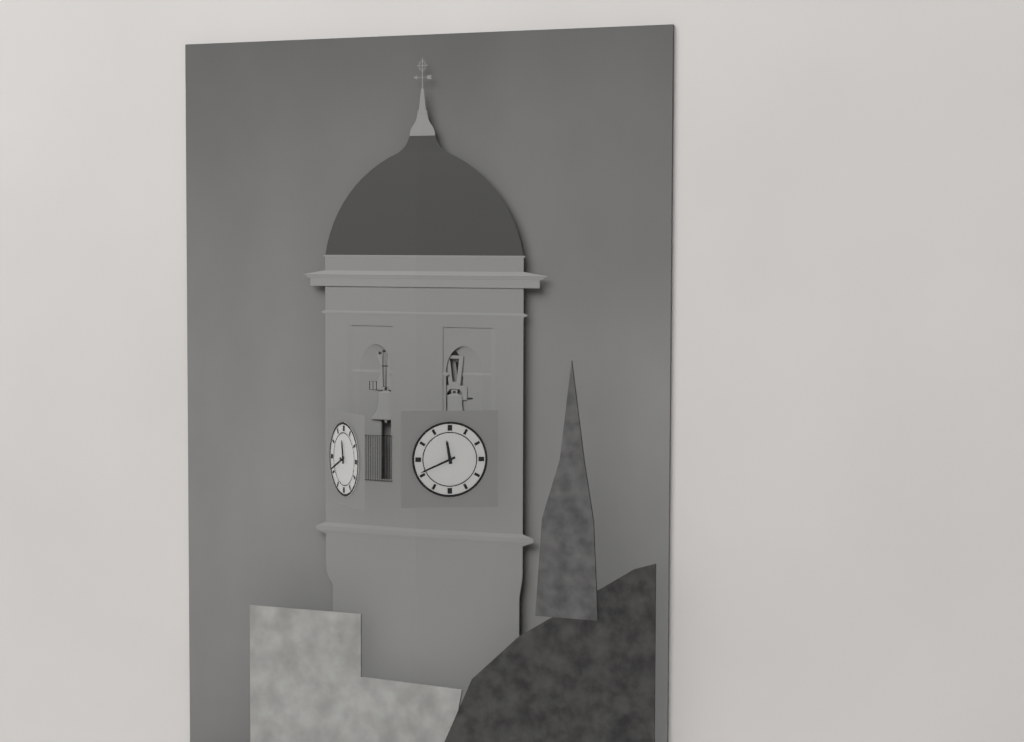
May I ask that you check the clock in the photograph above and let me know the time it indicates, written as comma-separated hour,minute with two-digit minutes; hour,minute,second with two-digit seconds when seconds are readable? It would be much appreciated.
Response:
11,41
